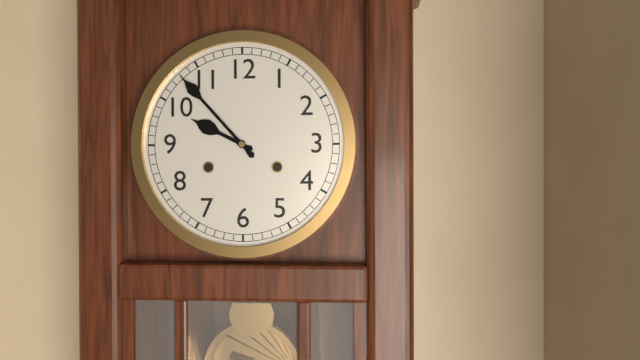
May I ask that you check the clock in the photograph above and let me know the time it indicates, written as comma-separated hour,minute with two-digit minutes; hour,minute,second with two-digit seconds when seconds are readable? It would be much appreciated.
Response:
9,53
